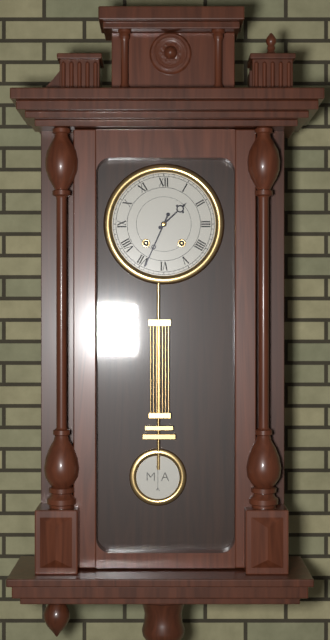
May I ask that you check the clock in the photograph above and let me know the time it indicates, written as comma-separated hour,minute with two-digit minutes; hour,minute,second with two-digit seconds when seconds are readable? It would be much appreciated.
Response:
1,34
